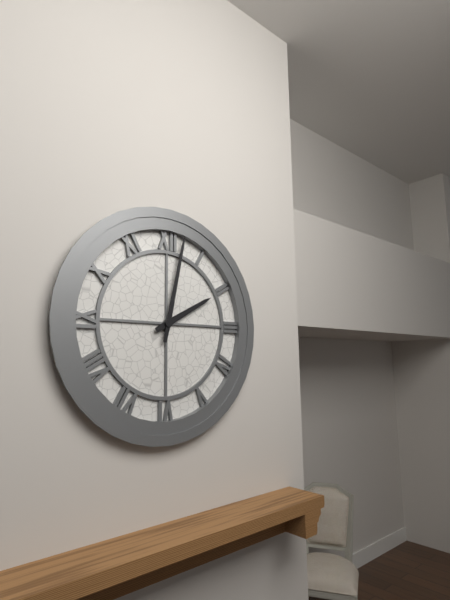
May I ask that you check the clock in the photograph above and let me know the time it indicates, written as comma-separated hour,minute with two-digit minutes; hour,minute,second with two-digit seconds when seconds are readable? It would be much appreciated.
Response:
2,02
